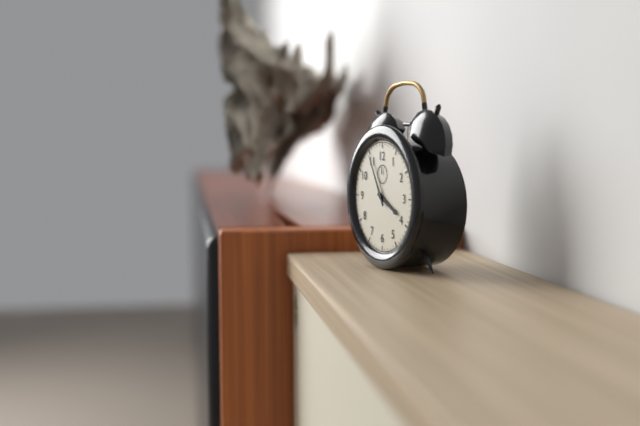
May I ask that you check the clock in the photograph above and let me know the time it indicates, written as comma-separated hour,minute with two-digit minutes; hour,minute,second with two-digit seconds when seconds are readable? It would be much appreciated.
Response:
3,55
